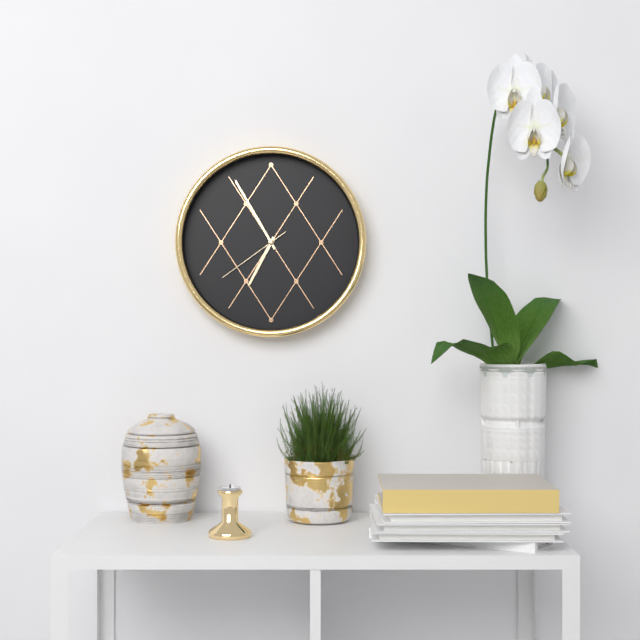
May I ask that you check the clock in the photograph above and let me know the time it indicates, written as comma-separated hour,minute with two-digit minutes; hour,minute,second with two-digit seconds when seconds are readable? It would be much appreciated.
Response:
6,55,39
